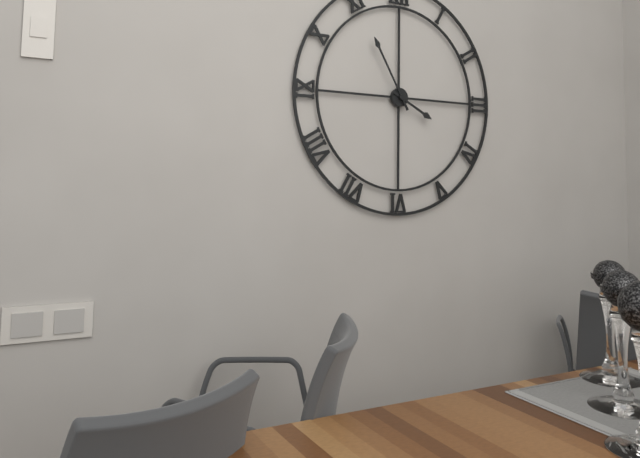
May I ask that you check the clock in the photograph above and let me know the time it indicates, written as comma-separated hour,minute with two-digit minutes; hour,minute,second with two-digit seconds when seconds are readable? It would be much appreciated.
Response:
3,55
